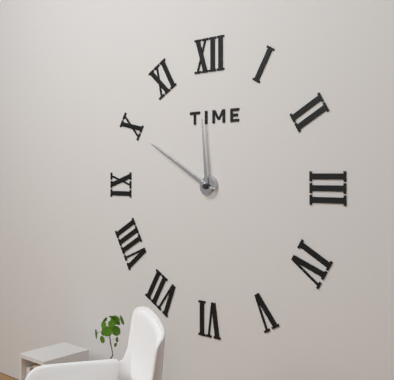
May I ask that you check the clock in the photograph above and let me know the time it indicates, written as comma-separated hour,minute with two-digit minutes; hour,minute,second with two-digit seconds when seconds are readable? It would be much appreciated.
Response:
11,50
